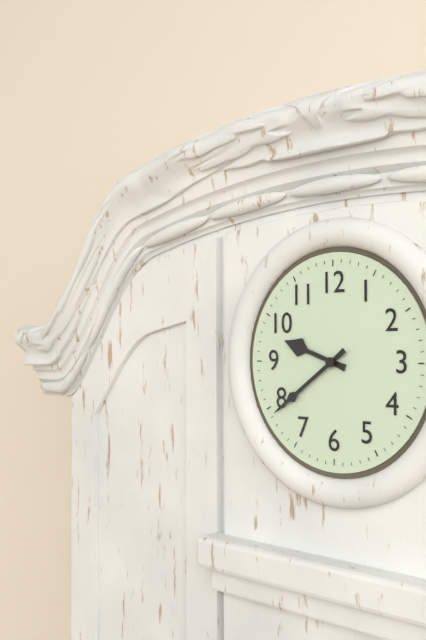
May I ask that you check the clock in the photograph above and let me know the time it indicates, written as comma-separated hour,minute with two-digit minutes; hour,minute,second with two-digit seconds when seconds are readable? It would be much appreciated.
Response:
9,39
